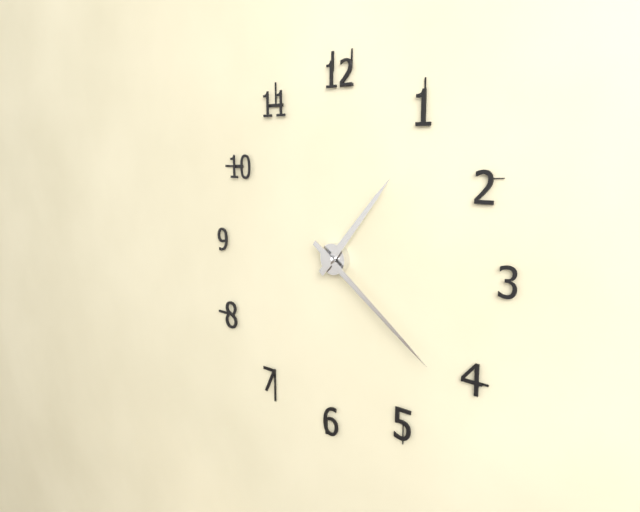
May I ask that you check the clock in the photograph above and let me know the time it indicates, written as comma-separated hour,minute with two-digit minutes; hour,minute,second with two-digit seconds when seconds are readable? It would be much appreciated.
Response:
1,21
